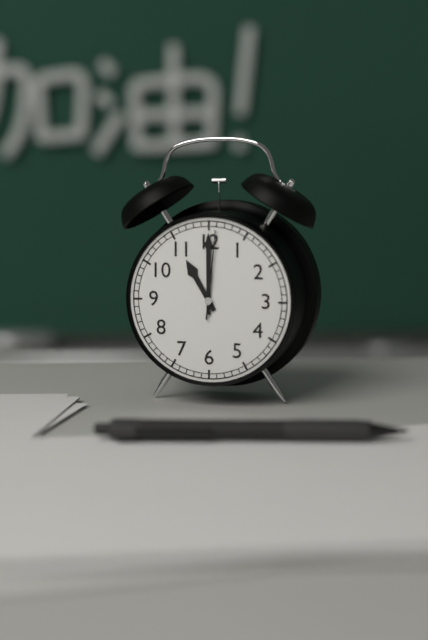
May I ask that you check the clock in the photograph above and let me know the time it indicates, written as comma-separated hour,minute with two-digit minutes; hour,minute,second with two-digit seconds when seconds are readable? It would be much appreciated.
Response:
11,00,01
